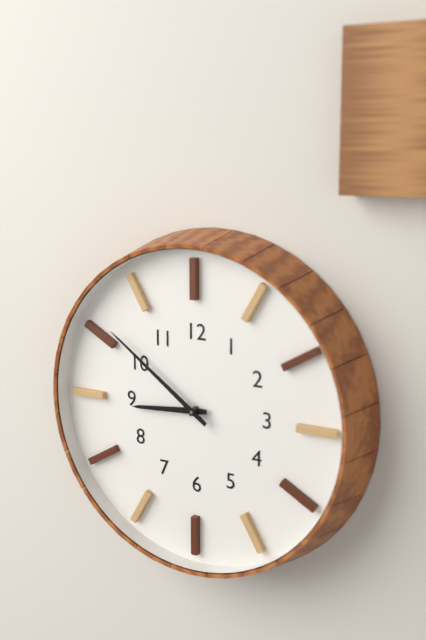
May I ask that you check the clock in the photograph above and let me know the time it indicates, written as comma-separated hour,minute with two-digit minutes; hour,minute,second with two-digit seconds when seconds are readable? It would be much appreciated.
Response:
8,51
